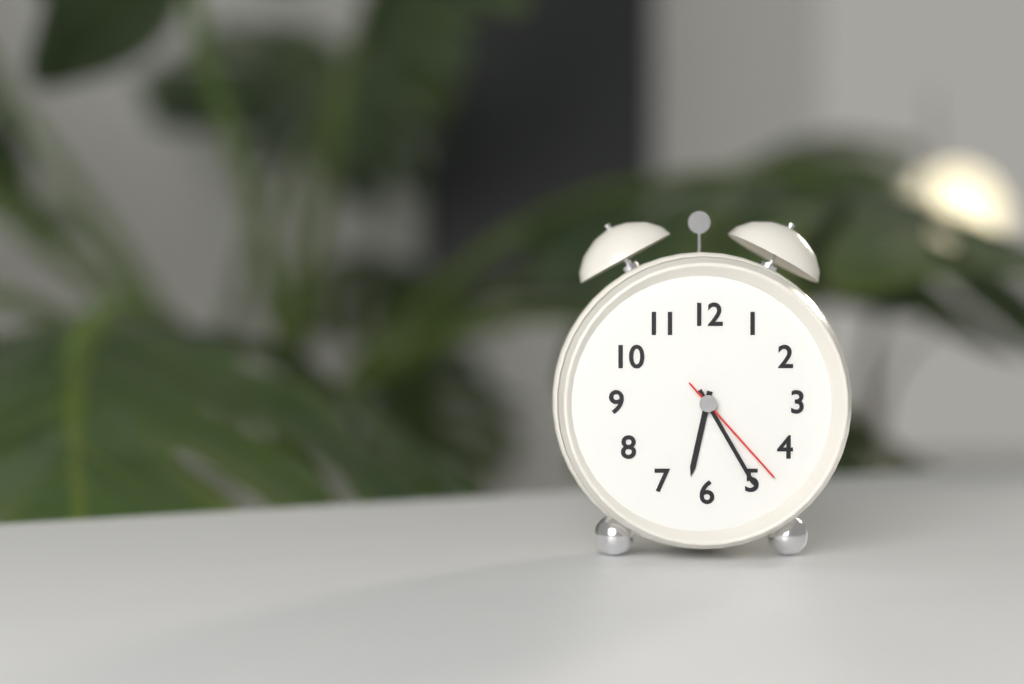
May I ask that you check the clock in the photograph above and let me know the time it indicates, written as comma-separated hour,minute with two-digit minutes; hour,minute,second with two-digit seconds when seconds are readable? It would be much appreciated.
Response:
6,25,23
